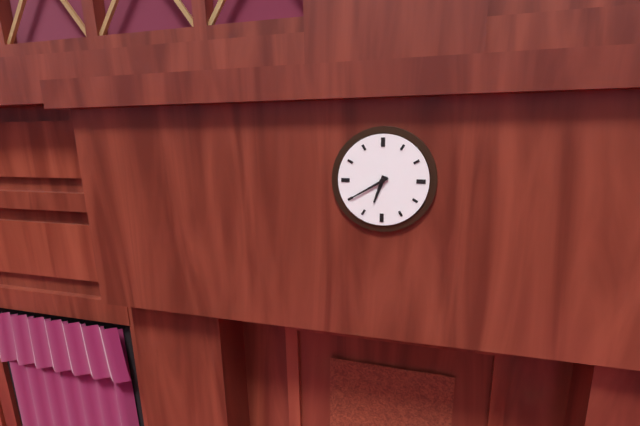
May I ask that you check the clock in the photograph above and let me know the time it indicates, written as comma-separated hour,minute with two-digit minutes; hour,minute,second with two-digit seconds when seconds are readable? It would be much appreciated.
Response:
6,40
